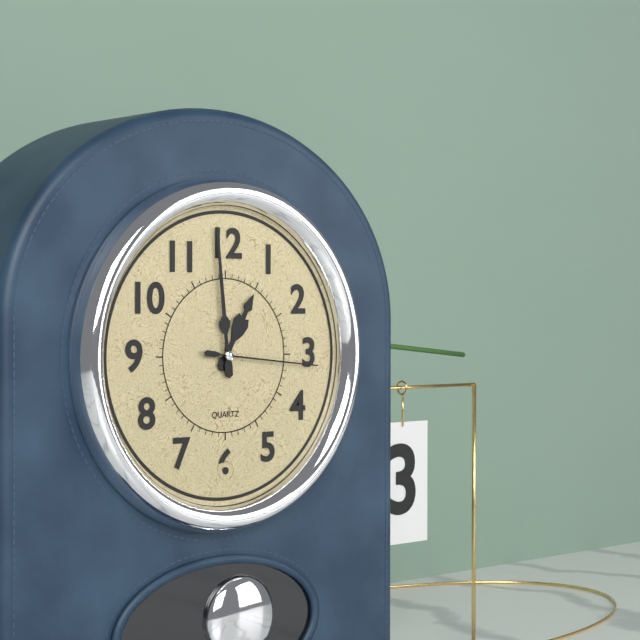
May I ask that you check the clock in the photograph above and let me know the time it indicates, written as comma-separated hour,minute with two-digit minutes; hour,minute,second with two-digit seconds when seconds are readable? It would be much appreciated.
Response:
12,59,16
